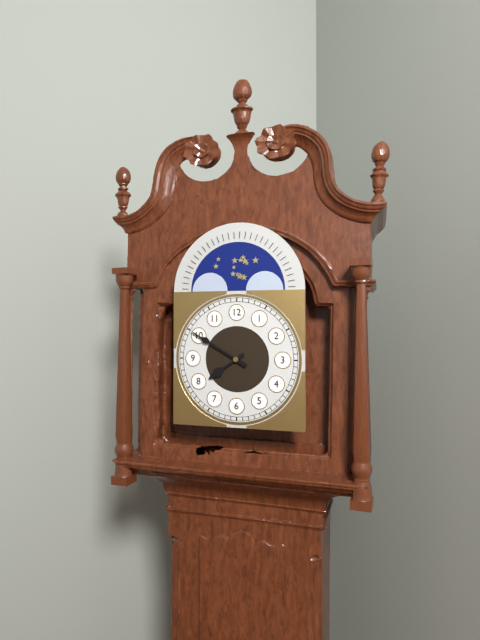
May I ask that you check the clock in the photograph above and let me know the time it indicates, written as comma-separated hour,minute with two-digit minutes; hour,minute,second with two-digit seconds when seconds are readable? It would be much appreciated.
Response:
7,50
